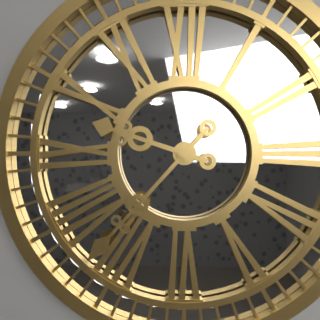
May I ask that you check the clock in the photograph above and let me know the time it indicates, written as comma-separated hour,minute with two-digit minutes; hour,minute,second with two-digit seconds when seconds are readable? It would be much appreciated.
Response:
9,37
